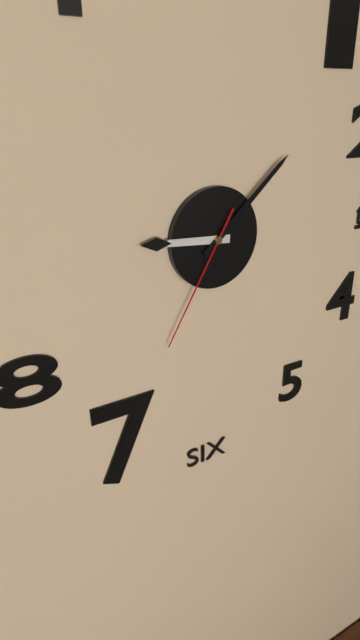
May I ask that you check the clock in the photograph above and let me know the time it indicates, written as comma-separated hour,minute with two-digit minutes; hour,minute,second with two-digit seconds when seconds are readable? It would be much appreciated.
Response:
9,08,35
